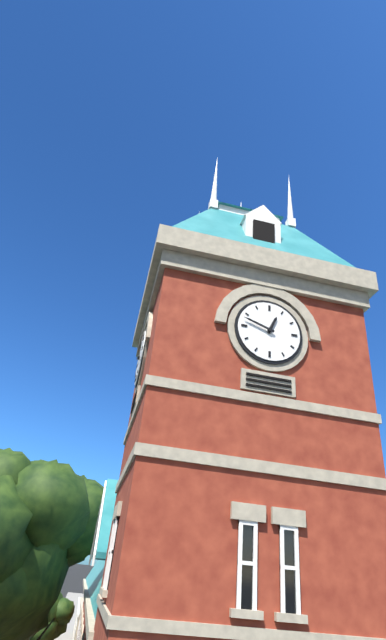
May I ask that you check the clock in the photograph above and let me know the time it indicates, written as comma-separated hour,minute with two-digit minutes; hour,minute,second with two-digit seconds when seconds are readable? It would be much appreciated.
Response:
12,48
